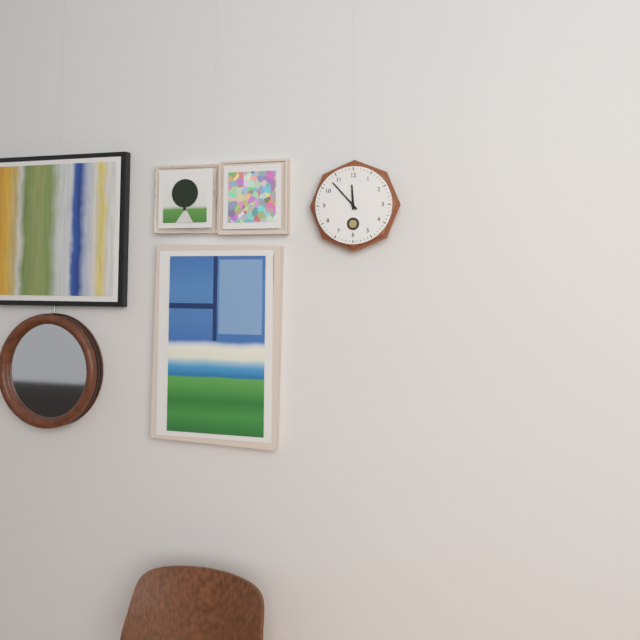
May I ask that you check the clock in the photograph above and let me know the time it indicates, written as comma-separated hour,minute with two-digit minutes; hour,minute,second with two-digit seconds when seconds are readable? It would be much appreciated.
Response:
11,53
